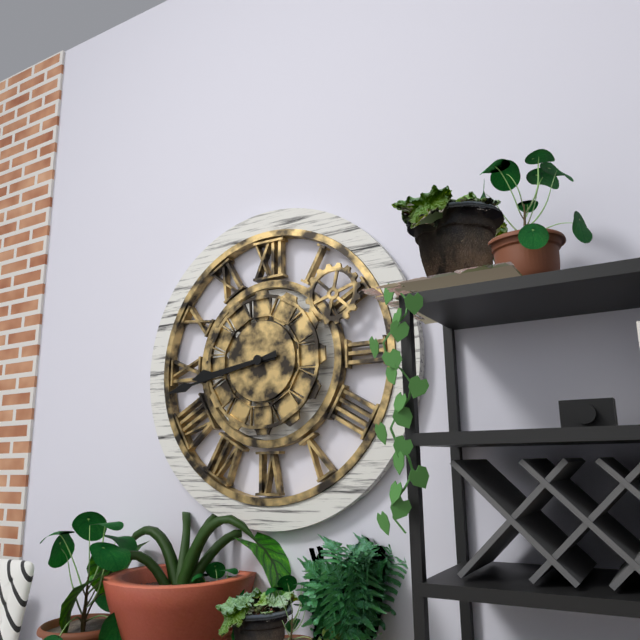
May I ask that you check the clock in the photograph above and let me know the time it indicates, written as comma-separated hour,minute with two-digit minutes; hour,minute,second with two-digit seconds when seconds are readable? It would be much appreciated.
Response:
8,43
